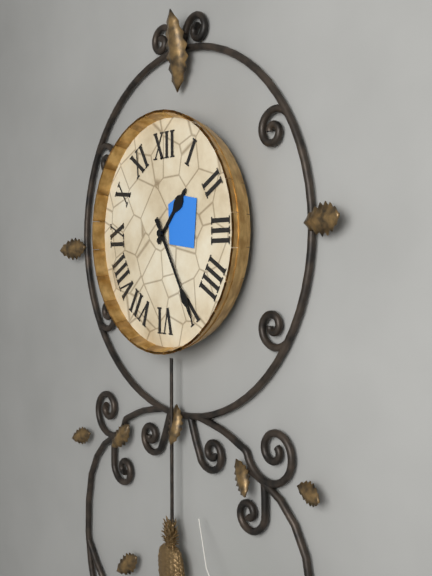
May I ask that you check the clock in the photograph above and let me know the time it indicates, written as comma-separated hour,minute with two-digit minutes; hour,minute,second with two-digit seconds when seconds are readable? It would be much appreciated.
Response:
1,25
